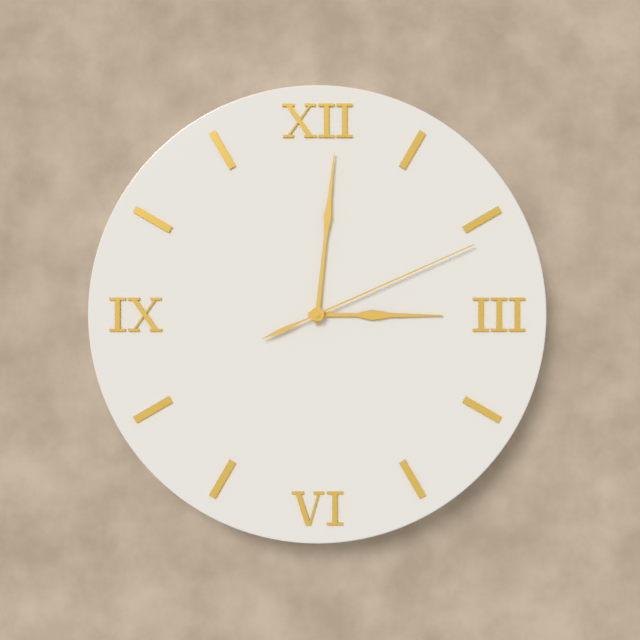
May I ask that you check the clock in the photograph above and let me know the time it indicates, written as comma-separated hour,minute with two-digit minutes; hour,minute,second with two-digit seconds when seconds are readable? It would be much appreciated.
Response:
3,01,11
